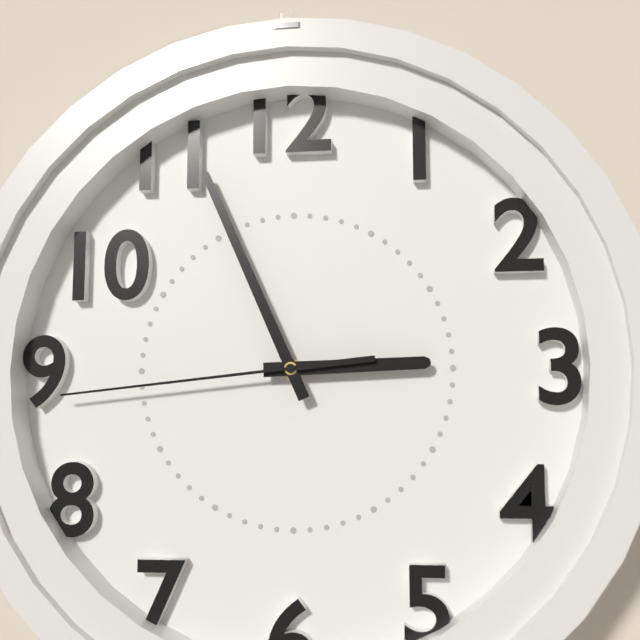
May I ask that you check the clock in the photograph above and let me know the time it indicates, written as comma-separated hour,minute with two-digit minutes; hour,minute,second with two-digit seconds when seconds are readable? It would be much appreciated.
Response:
2,56,44
